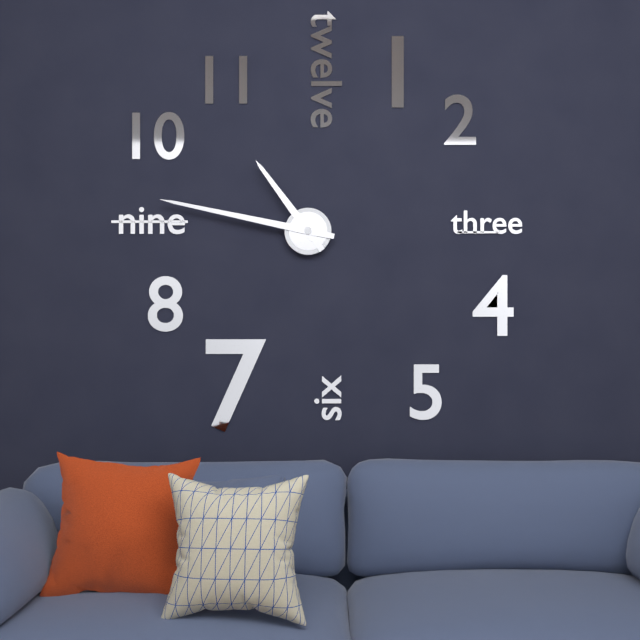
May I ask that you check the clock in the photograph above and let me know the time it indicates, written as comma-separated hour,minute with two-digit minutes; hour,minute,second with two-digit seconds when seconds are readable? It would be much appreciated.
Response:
10,47
